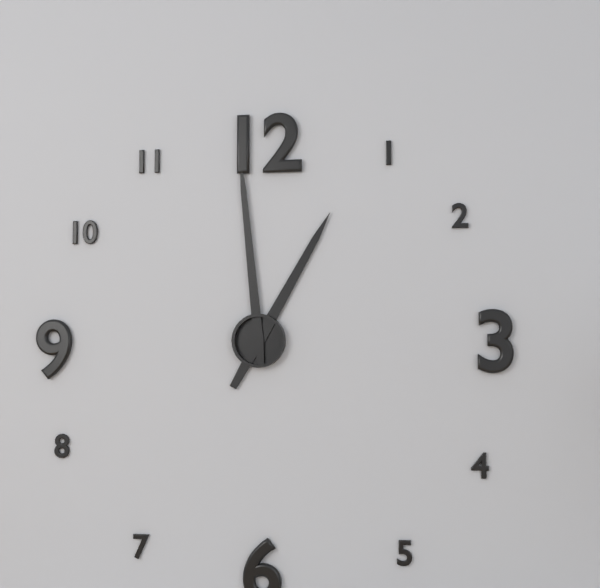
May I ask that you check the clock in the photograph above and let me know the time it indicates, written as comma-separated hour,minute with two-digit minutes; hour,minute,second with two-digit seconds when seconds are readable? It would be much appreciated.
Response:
12,59
